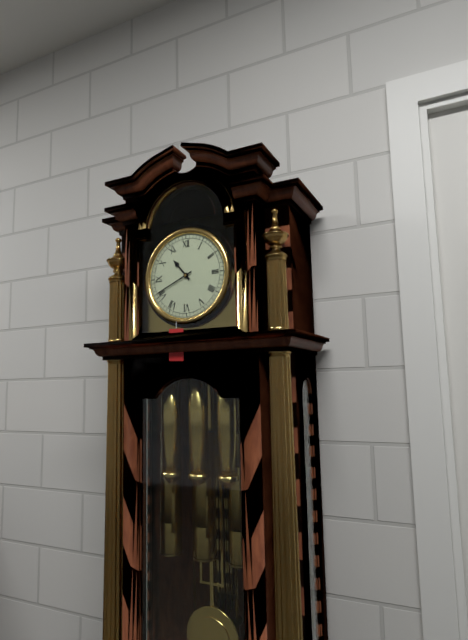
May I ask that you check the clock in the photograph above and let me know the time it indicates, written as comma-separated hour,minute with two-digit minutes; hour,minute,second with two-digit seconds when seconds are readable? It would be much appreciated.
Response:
10,41
